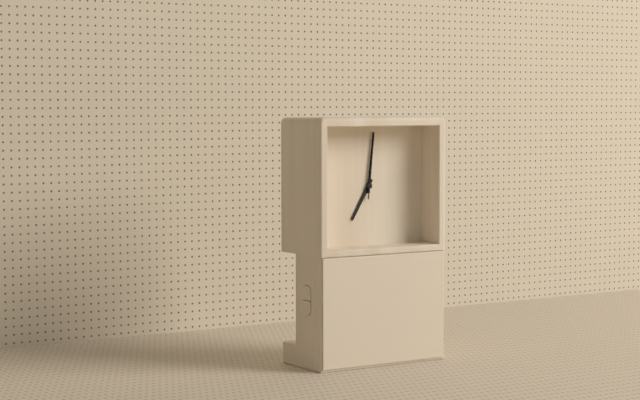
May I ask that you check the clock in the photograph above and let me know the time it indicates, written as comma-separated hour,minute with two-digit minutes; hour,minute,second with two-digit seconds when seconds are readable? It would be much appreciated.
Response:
7,01,01
